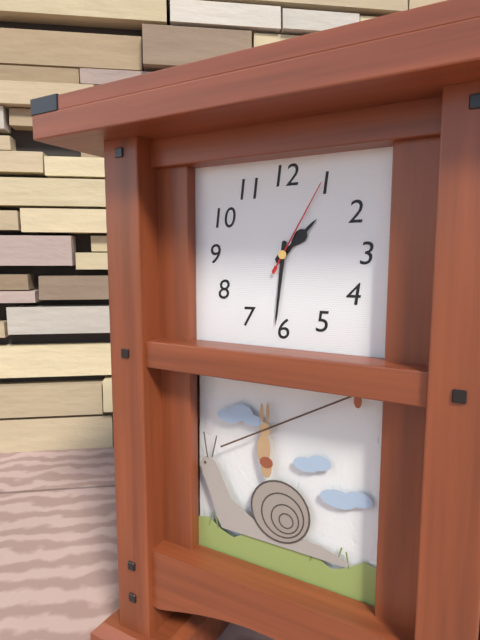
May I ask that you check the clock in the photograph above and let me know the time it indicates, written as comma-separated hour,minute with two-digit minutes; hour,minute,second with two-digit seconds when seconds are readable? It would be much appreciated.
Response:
1,31,05
